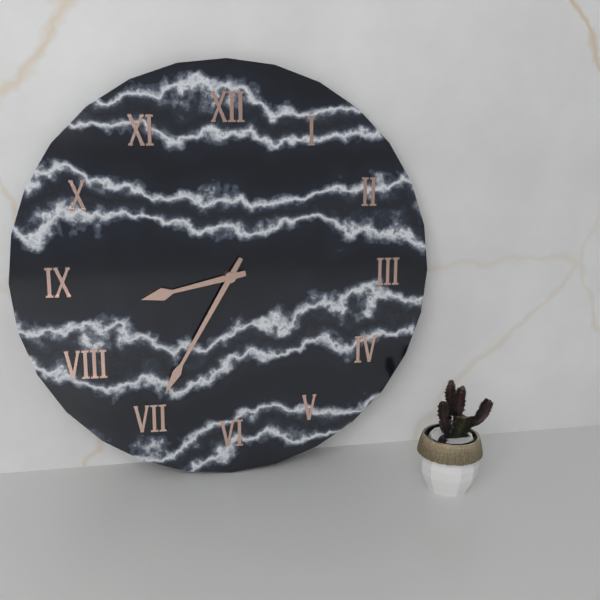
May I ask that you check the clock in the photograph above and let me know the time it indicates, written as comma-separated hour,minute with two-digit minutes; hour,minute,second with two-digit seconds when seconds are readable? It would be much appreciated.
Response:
8,35
